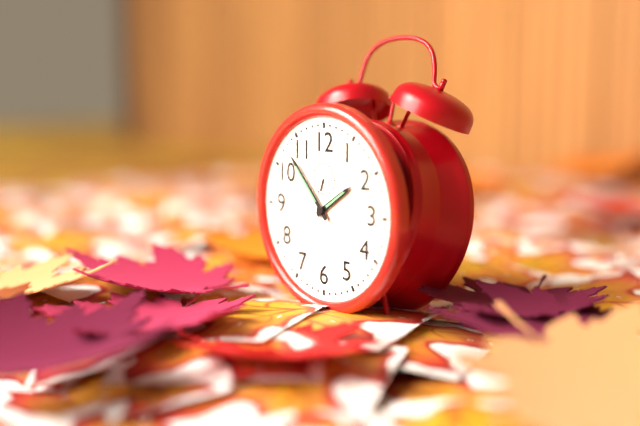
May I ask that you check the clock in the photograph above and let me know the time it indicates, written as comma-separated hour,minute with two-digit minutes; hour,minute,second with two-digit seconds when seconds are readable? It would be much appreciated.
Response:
1,53
